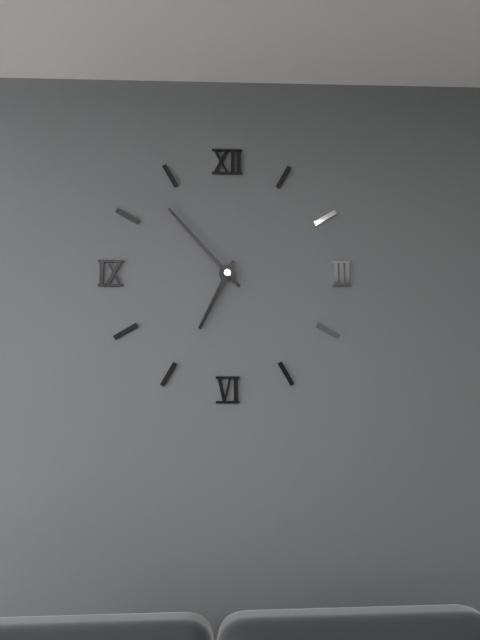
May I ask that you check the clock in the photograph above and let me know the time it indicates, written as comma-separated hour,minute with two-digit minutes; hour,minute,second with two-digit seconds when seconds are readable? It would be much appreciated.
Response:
6,53
